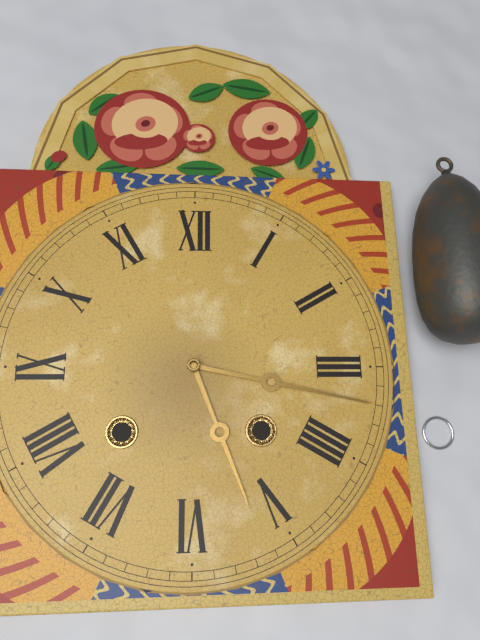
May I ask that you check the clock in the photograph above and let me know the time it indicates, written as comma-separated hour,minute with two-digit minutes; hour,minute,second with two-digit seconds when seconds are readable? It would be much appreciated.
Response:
5,17
